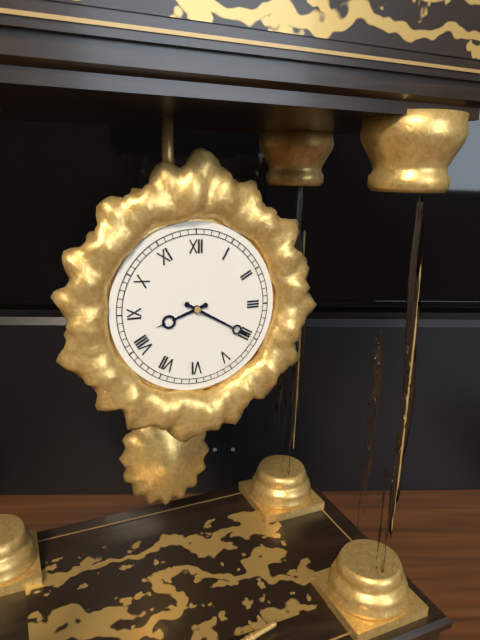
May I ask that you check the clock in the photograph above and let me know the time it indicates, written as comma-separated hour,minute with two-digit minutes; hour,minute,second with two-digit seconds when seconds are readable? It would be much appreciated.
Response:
8,20
